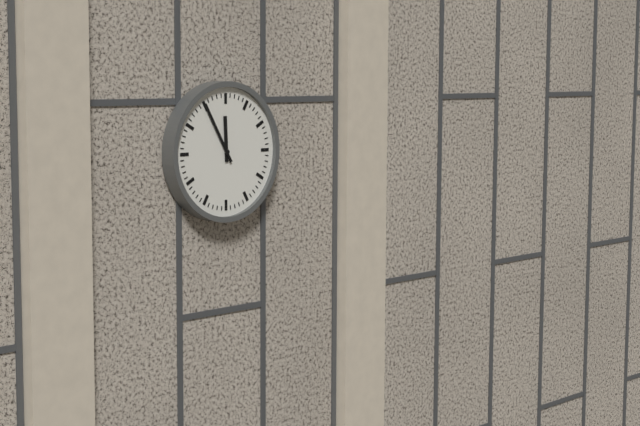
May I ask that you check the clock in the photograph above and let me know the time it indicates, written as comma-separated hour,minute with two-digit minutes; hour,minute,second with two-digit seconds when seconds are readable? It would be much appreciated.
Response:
11,55
